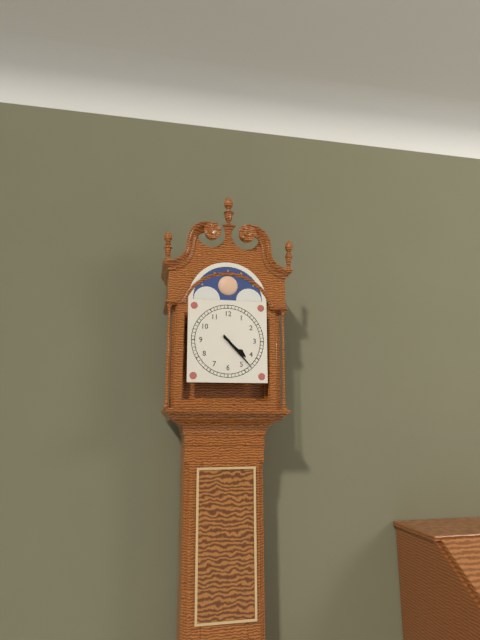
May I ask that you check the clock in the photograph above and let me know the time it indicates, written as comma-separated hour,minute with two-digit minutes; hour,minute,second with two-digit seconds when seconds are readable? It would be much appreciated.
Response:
4,23
